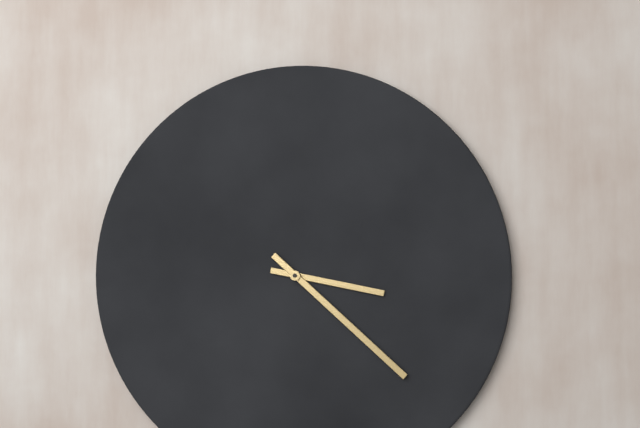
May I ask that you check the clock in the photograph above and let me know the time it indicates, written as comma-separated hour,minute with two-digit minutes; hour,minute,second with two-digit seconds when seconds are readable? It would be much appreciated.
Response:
3,22
